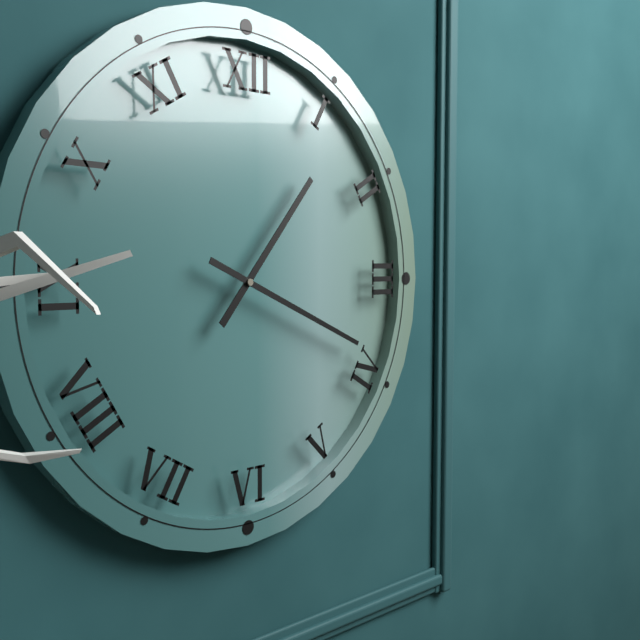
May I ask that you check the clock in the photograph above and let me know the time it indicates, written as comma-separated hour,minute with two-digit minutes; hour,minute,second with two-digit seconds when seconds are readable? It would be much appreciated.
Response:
1,19
